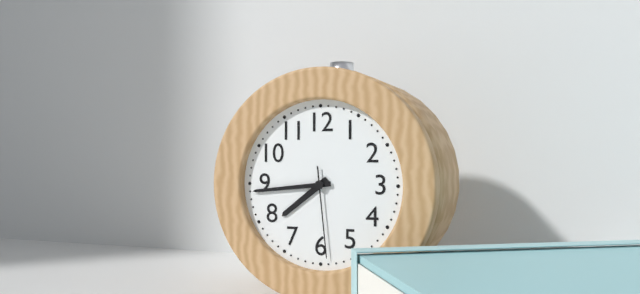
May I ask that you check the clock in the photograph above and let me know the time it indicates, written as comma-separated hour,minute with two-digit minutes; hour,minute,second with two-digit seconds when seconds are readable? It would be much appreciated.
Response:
7,44,29
